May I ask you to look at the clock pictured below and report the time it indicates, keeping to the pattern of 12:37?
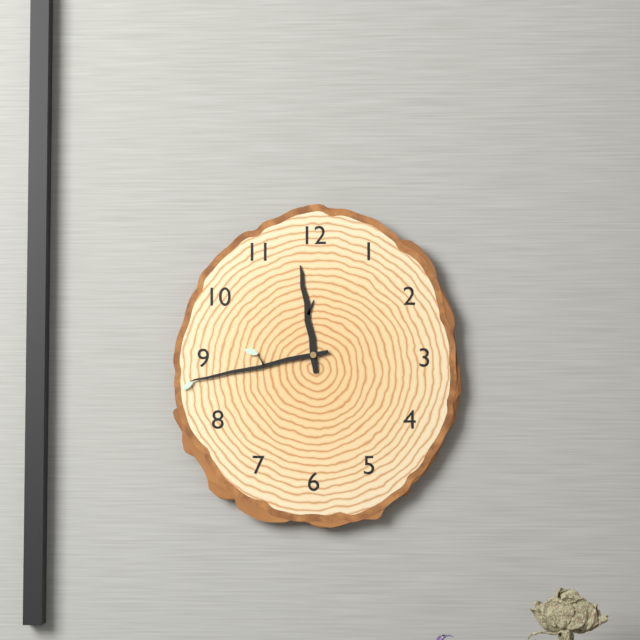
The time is 11:43
